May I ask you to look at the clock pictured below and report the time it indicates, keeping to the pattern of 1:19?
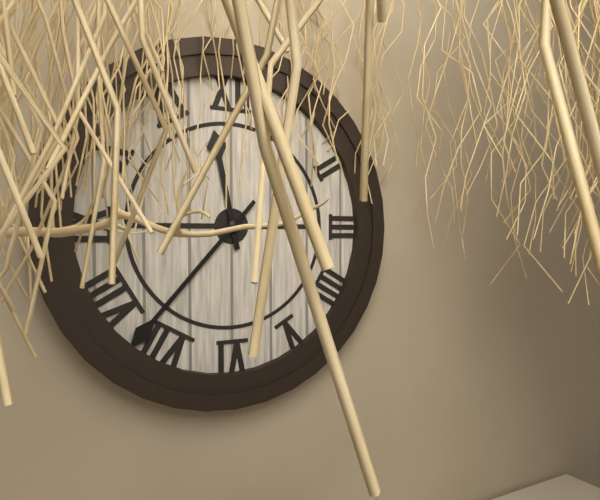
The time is 11:37
